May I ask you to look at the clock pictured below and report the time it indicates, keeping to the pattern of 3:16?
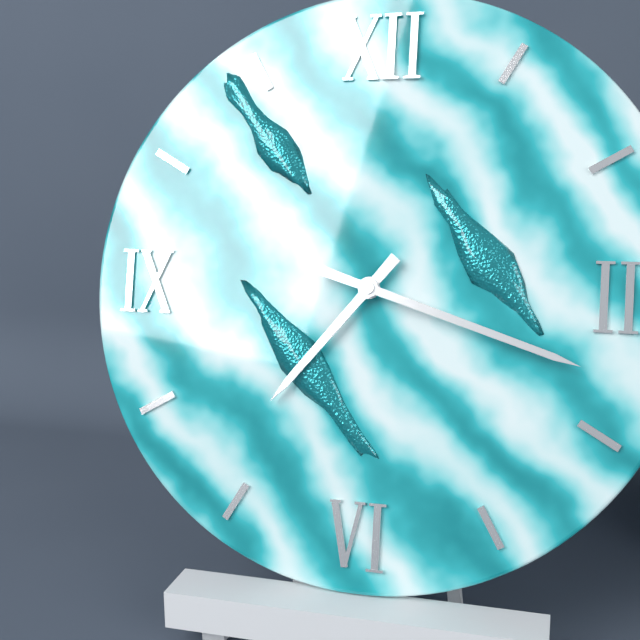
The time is 7:18
